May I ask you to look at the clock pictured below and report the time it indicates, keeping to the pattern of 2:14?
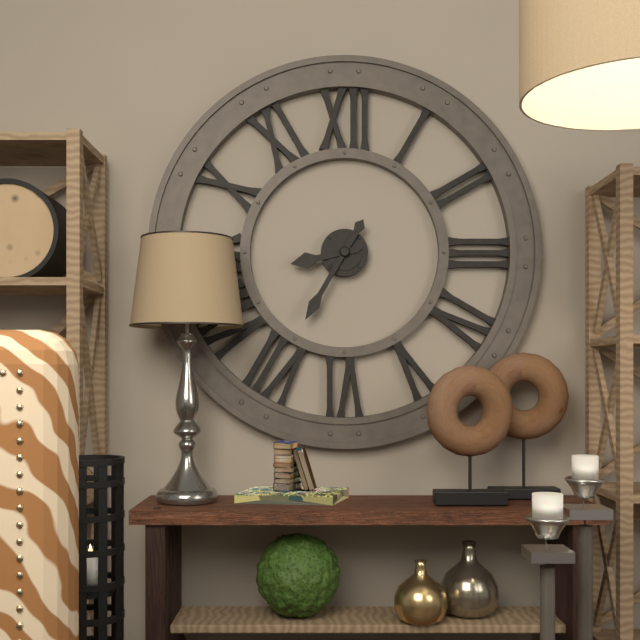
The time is 8:35
